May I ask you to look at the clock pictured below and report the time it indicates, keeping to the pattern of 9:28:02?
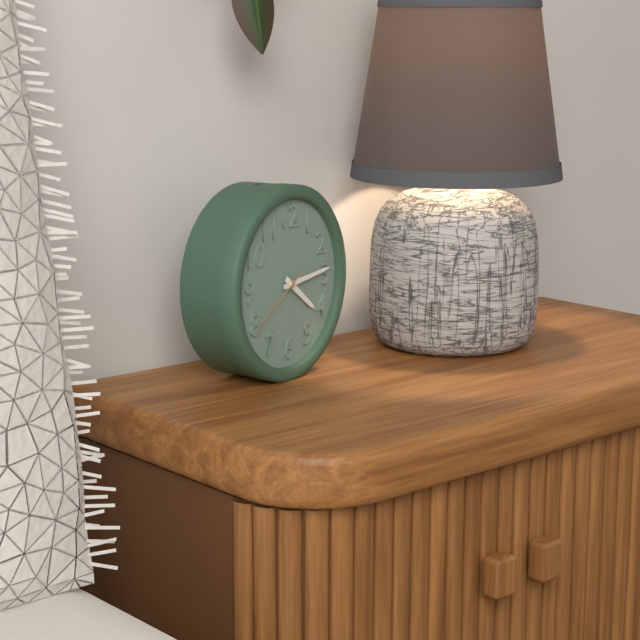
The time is 4:14:40
